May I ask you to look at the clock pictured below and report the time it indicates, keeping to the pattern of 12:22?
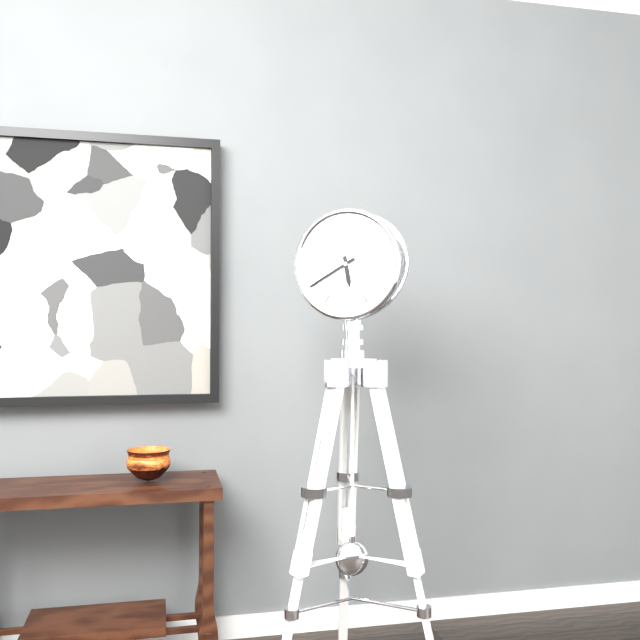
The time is 5:40
